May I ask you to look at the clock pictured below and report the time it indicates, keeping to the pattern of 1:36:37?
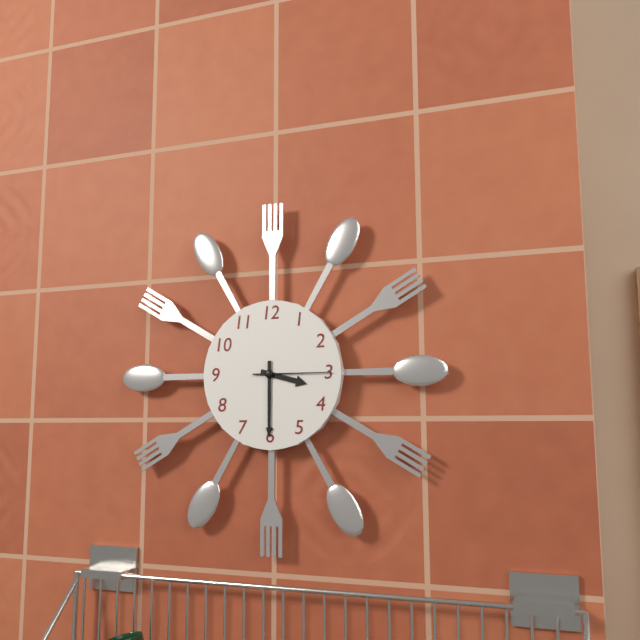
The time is 3:30:15
